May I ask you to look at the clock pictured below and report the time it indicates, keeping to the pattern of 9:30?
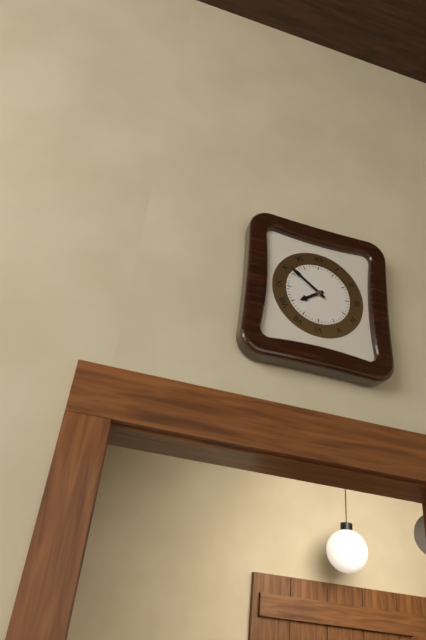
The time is 7:51
